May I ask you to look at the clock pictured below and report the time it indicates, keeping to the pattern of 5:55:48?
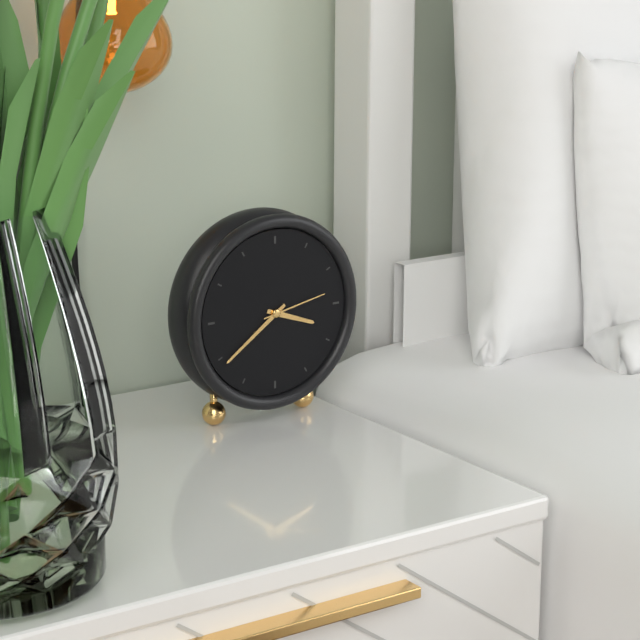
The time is 3:39:13
